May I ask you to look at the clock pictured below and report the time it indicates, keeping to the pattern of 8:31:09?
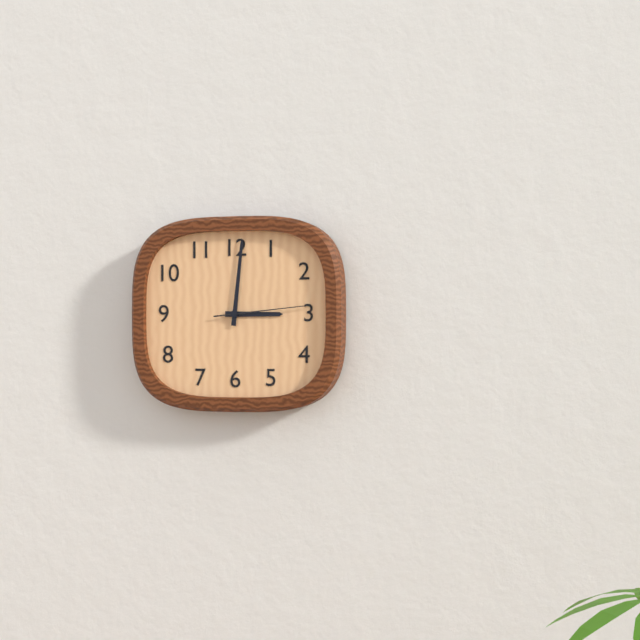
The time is 3:01:14
